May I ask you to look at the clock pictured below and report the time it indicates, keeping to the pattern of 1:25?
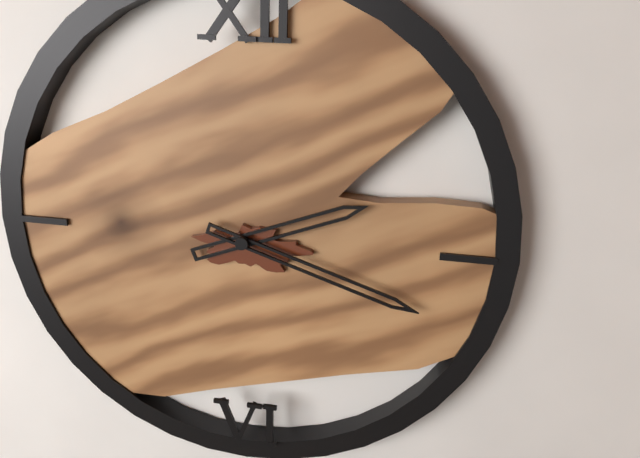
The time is 2:18
